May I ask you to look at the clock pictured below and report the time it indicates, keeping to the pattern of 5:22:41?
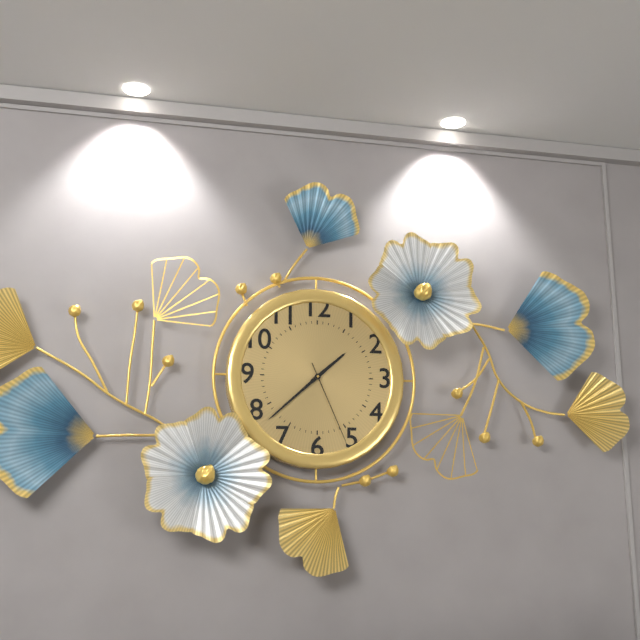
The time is 1:38:26
